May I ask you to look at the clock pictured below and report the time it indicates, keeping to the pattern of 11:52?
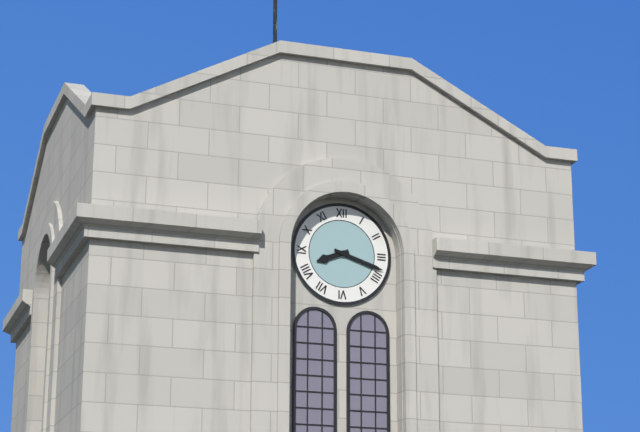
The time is 8:18
